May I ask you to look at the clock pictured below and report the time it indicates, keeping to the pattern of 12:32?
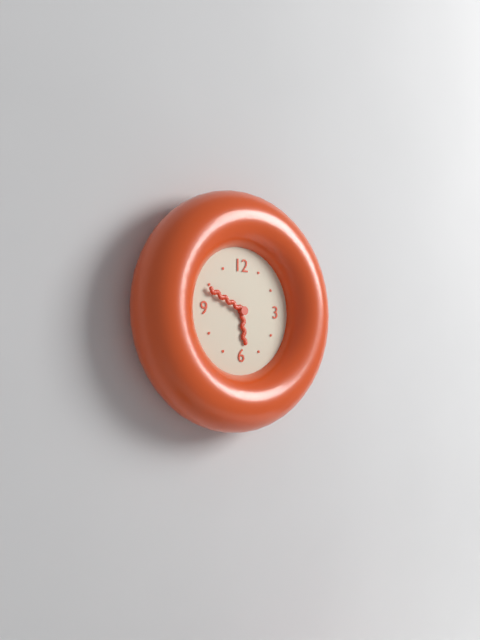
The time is 5:49
